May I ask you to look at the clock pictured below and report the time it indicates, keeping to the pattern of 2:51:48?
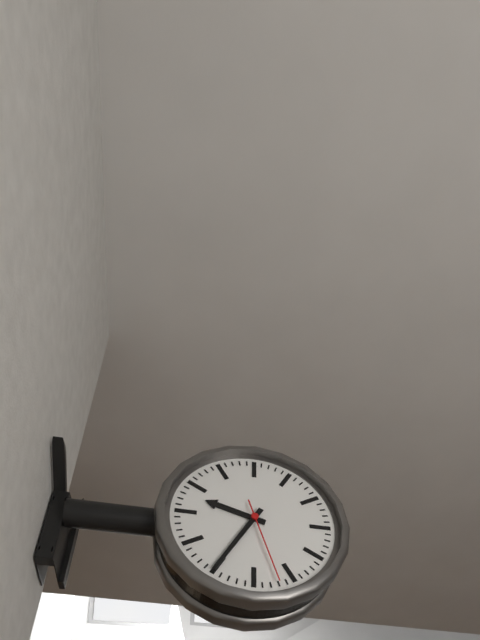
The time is 9:35:27
